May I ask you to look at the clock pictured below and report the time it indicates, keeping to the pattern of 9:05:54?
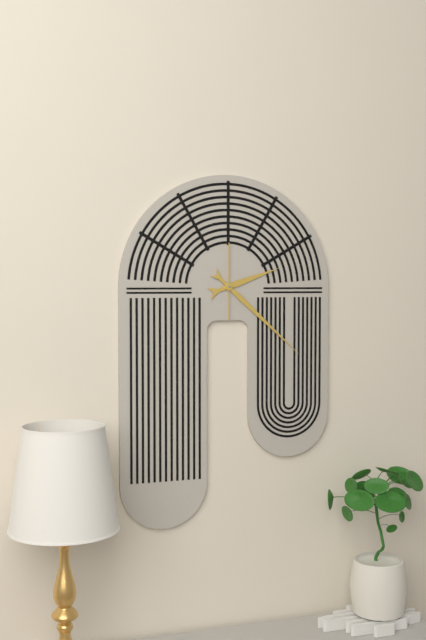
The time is 2:22:00
